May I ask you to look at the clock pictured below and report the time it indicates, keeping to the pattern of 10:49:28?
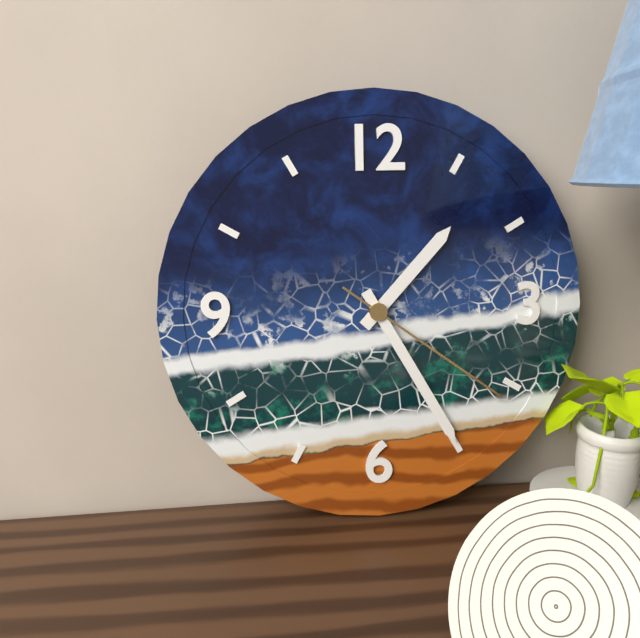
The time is 1:25:21
